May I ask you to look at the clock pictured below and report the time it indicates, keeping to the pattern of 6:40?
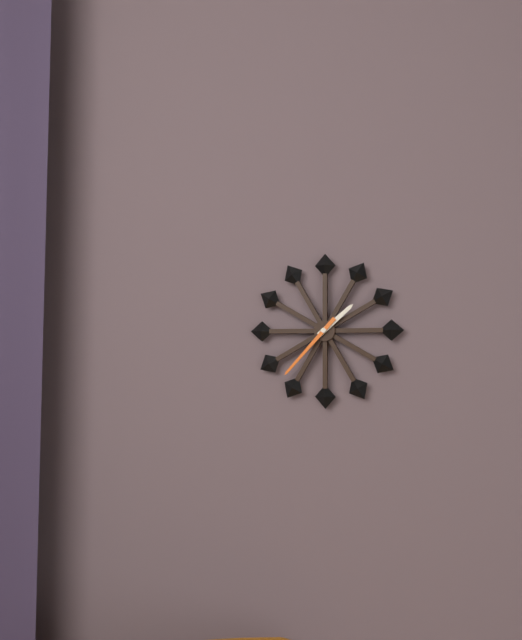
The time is 1:37
